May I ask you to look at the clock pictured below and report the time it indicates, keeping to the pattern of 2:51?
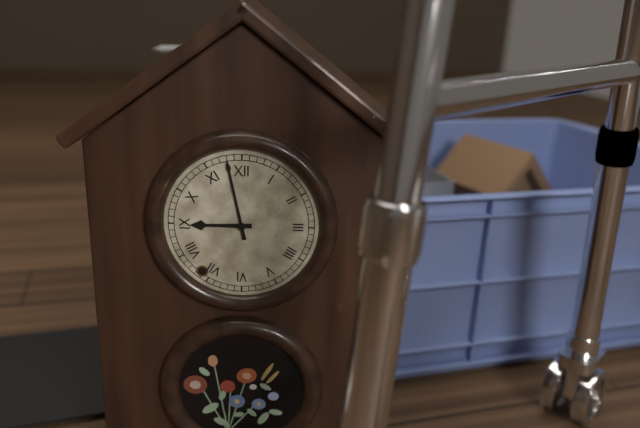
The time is 8:58
